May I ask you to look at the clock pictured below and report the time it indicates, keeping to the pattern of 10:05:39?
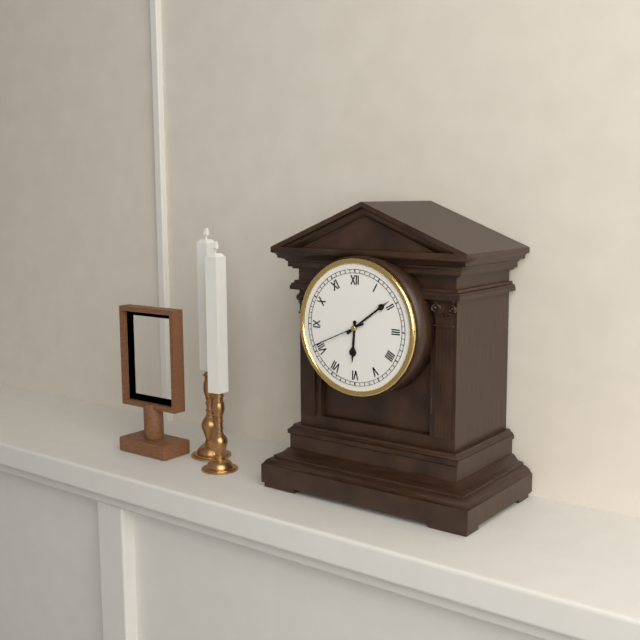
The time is 6:09:41
